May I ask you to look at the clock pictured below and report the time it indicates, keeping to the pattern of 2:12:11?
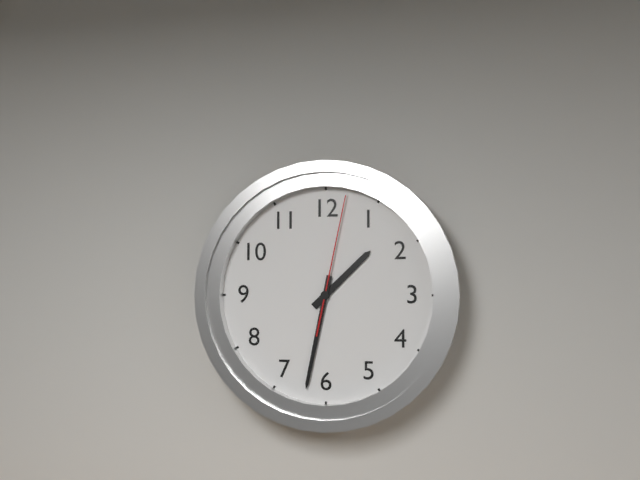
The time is 1:32:02
